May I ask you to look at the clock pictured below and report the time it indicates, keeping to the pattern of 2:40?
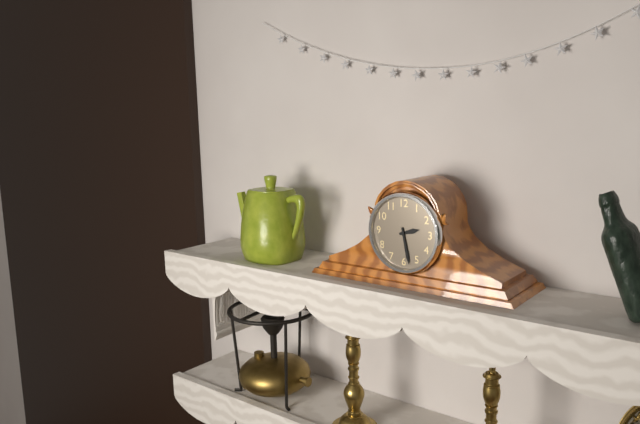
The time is 2:28
